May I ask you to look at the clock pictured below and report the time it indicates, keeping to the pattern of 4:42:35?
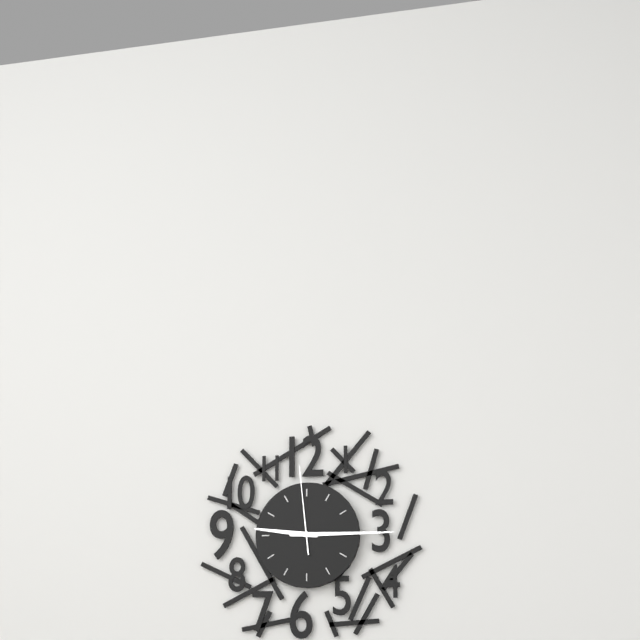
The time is 9:15:59
